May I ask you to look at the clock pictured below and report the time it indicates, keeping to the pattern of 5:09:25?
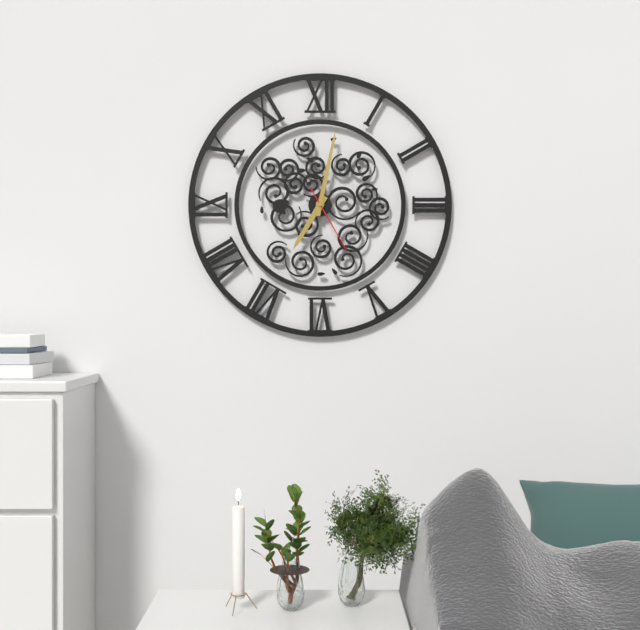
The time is 7:02:25
